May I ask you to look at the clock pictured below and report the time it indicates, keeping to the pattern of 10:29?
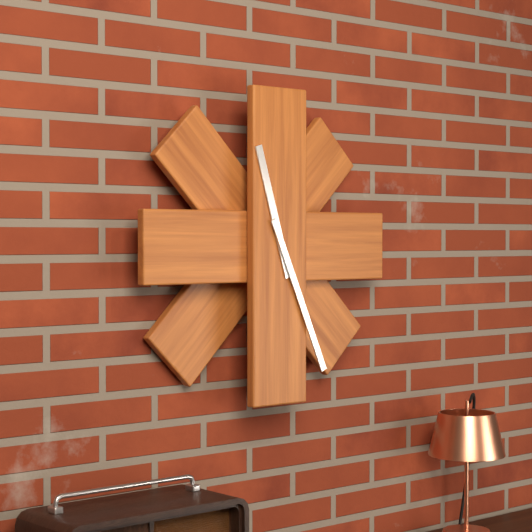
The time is 11:26
